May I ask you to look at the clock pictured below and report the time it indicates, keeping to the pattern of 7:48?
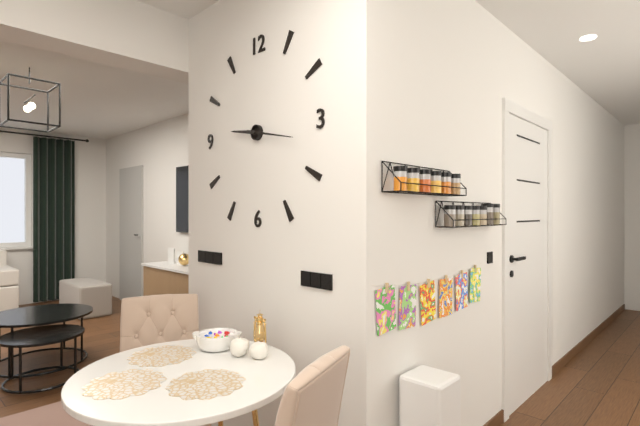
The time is 9:17
